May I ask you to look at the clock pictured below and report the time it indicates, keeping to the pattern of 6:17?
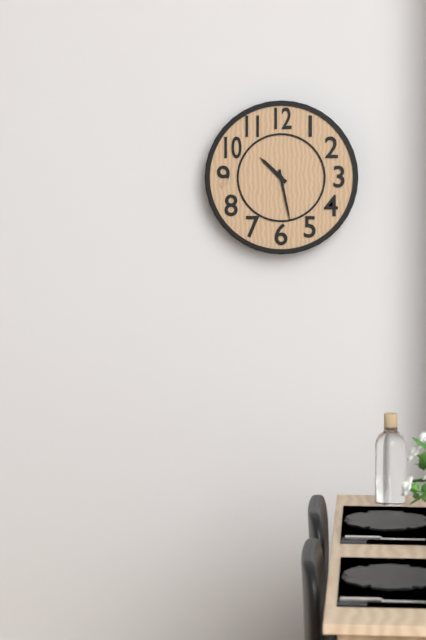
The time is 10:28
